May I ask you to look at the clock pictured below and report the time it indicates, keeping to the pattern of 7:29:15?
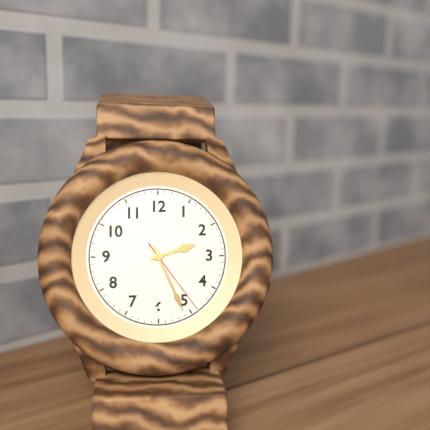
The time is 2:26:24
